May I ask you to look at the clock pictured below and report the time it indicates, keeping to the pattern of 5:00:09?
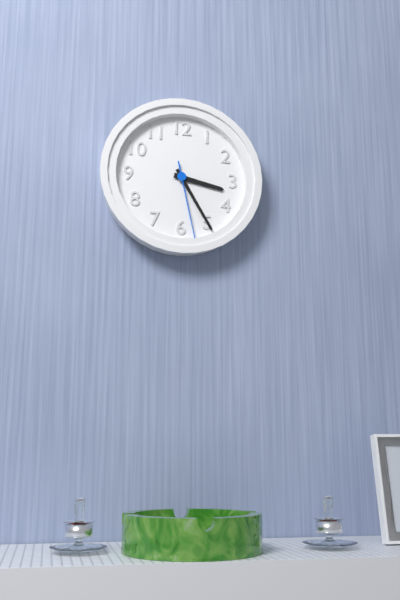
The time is 3:25:28
